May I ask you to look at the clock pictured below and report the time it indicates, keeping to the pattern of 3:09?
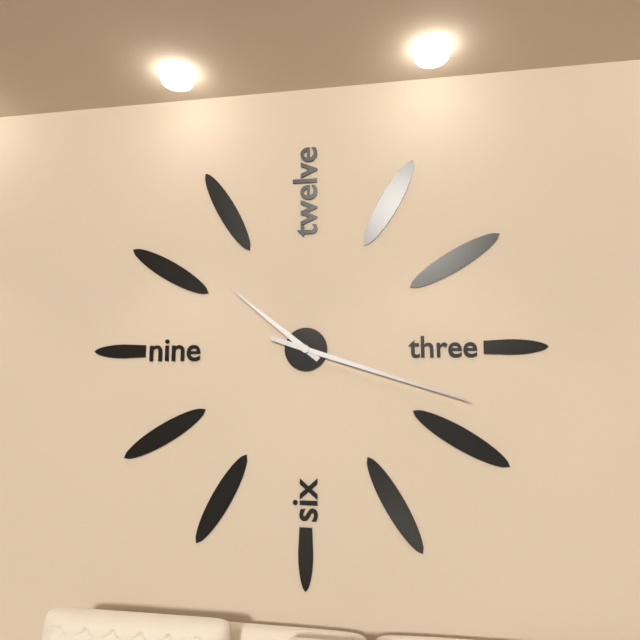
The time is 10:18
